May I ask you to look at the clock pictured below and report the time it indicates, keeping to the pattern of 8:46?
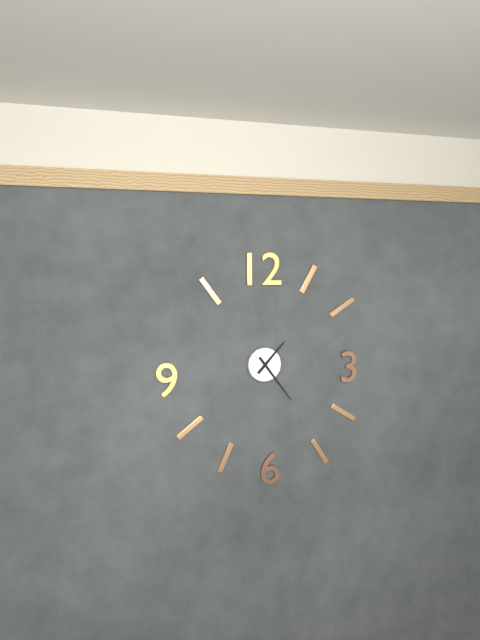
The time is 1:24
